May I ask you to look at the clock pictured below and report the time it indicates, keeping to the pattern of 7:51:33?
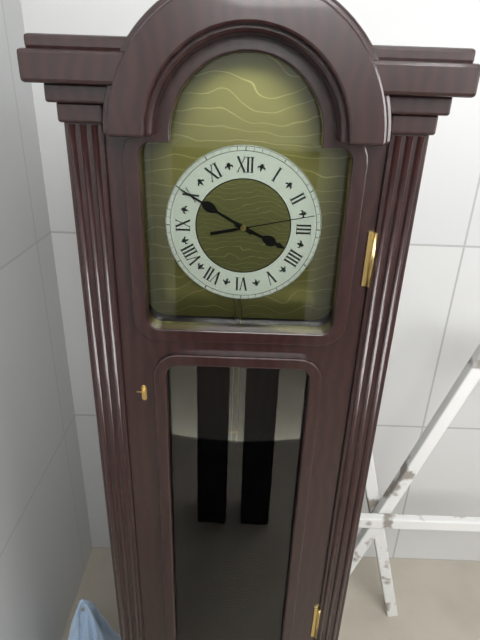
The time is 3:50:13
